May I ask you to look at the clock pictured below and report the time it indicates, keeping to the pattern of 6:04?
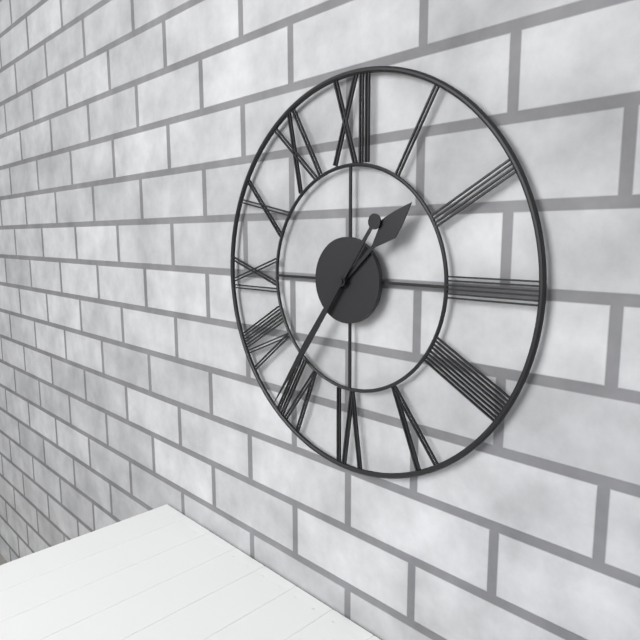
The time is 1:36
